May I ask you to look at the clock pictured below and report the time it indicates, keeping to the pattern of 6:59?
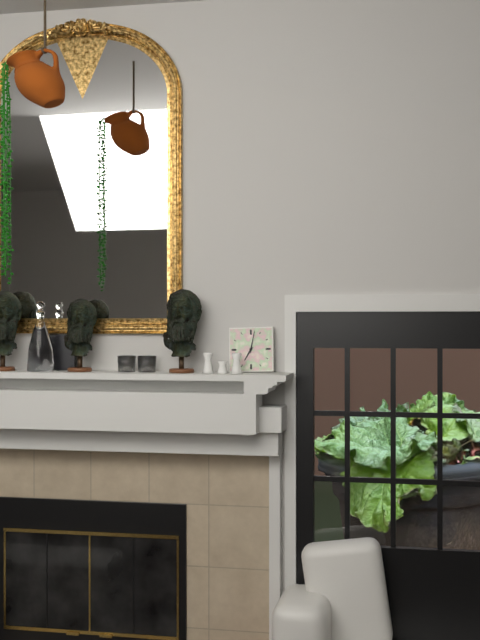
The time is 7:02
